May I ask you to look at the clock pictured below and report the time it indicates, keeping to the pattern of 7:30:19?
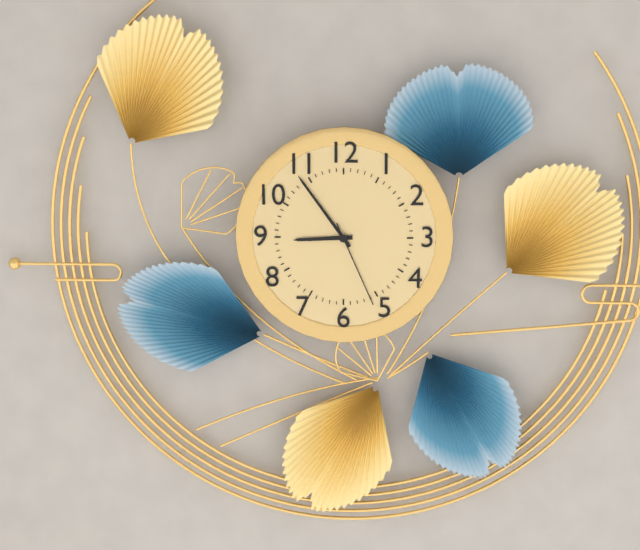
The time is 8:54:26
